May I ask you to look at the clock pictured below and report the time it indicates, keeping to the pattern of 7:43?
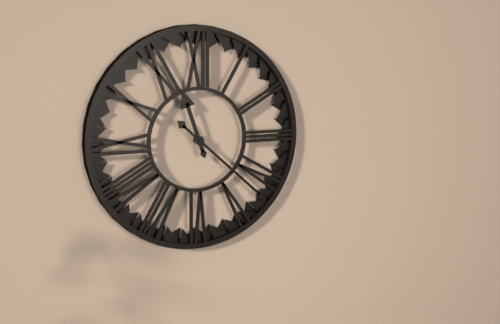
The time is 11:22
